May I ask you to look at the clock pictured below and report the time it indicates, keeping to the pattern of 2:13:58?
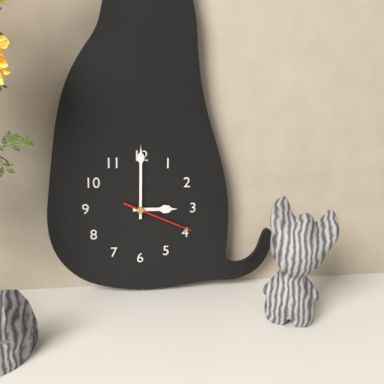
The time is 3:00:19
